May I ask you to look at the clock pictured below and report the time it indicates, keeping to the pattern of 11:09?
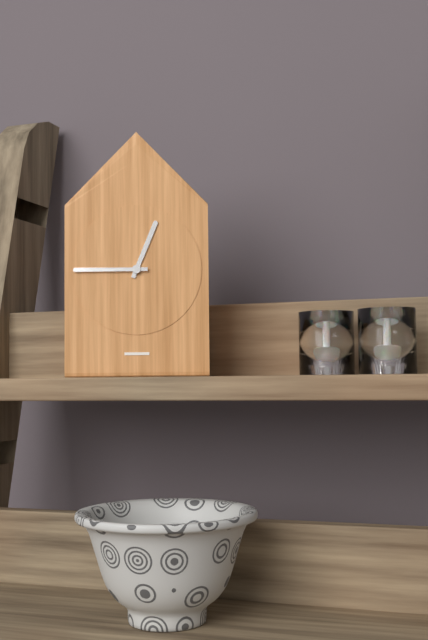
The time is 12:45
